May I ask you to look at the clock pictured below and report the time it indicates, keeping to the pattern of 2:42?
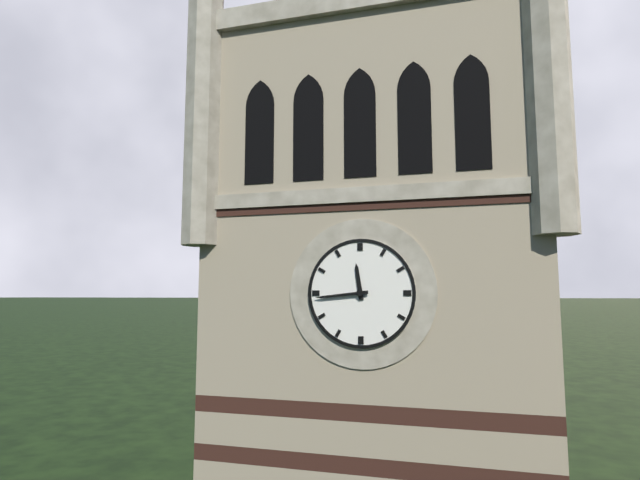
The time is 11:44
